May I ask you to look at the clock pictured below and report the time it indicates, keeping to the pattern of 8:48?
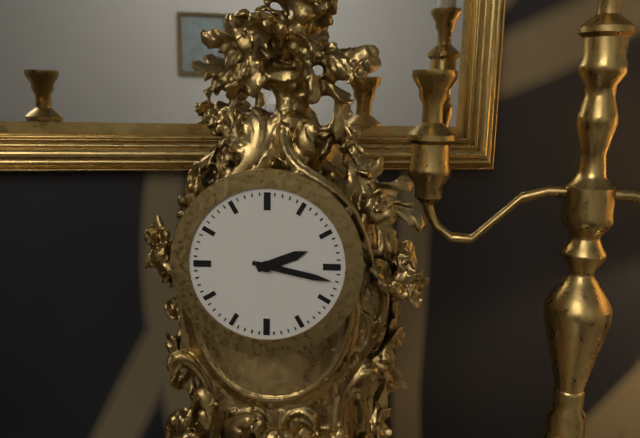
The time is 2:17
